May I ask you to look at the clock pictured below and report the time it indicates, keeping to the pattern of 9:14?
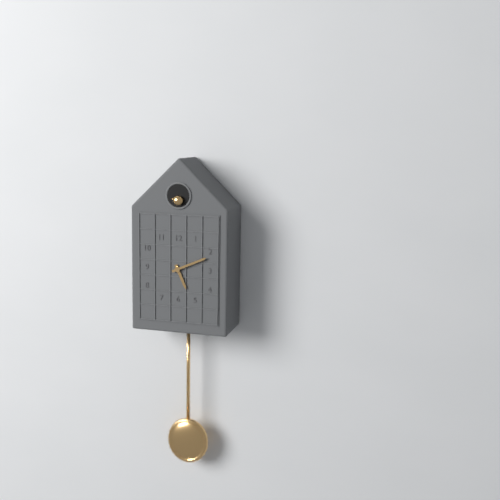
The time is 5:11
